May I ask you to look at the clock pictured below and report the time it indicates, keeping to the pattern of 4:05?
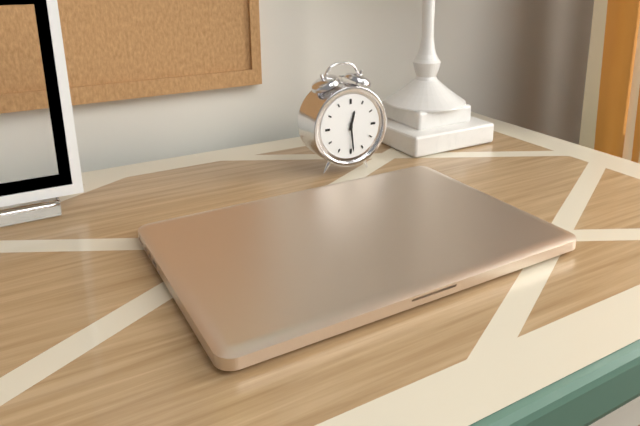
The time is 12:29
